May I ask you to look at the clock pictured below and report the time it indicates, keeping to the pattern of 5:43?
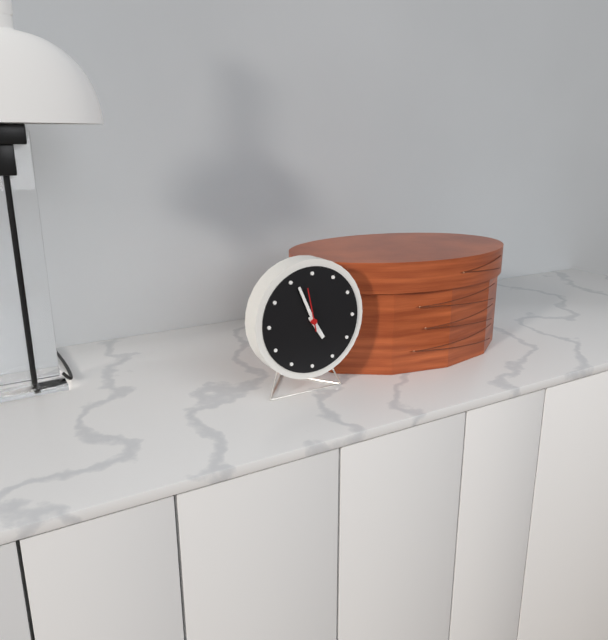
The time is 4:56
